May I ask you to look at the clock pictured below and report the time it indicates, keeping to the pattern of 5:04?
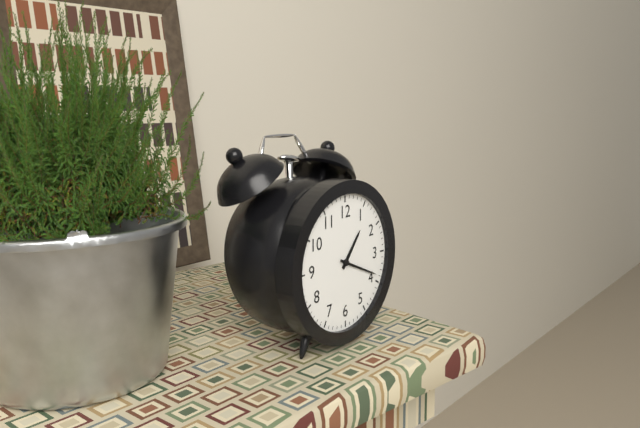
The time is 1:19
